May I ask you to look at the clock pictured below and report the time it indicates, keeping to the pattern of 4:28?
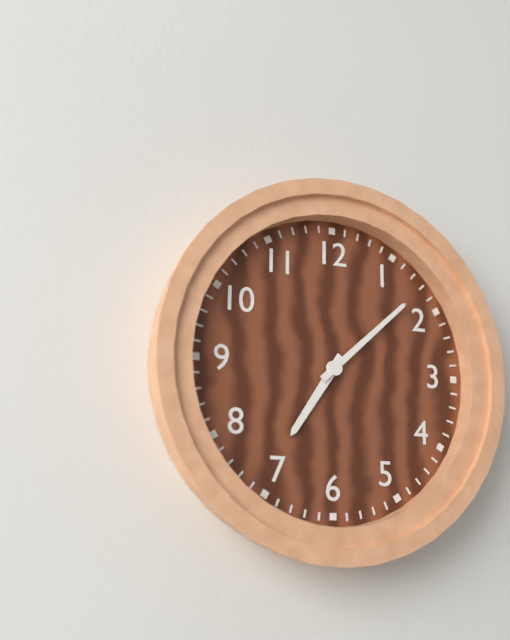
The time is 7:08
